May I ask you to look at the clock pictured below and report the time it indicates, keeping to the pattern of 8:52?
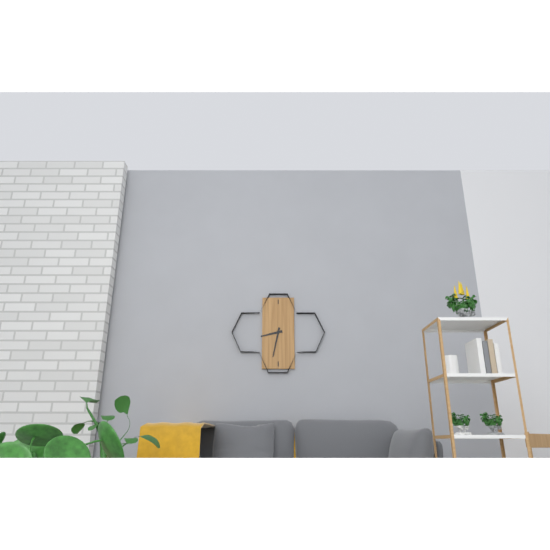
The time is 8:32
